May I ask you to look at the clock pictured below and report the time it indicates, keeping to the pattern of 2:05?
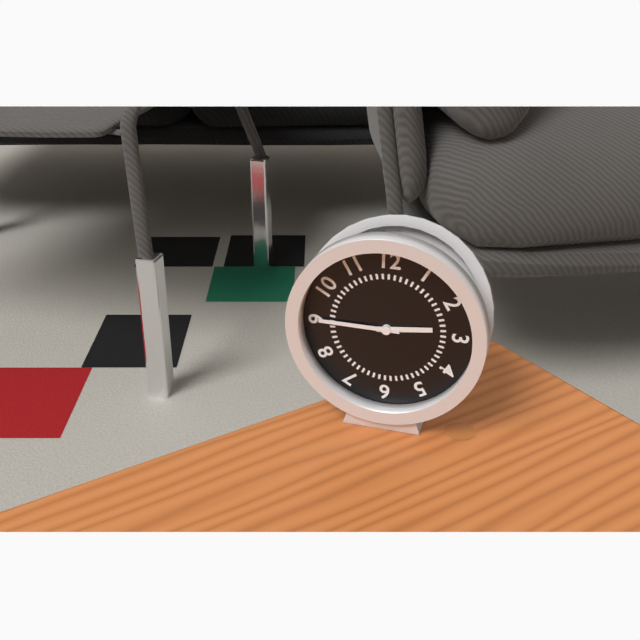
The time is 2:45
